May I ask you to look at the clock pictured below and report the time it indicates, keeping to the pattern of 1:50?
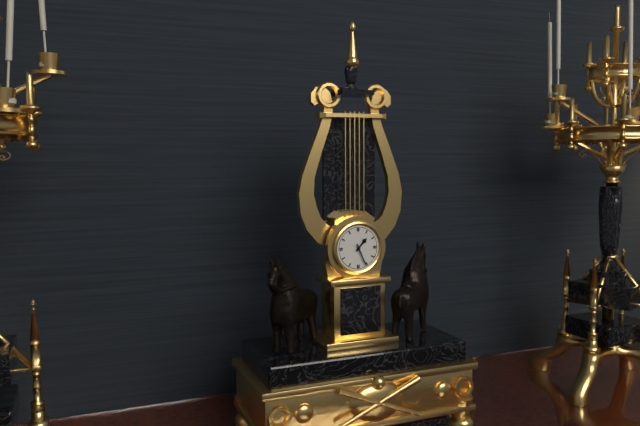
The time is 1:26
